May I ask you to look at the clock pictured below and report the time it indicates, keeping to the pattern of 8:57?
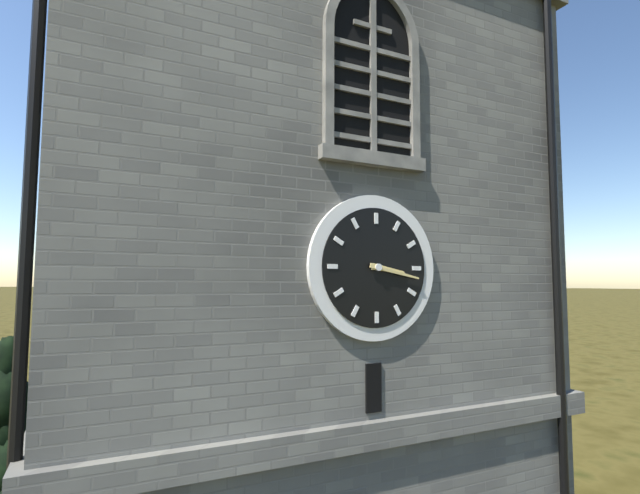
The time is 3:17
